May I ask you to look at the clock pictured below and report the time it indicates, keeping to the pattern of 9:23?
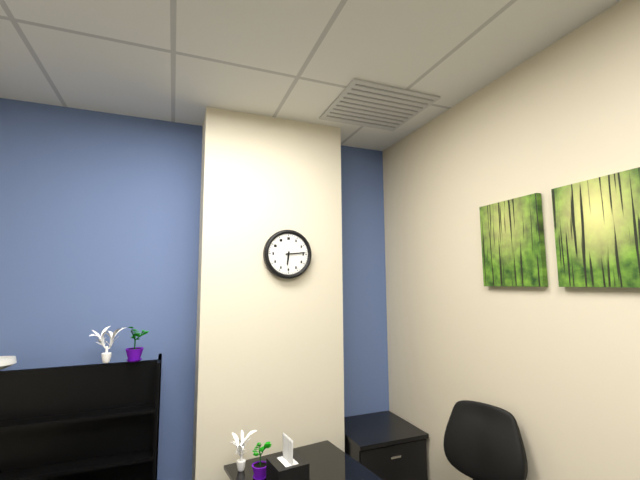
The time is 6:14
